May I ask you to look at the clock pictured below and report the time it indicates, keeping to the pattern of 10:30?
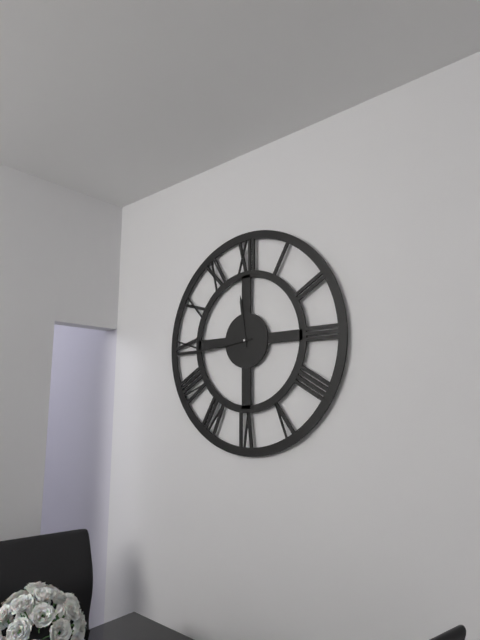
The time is 11:44
